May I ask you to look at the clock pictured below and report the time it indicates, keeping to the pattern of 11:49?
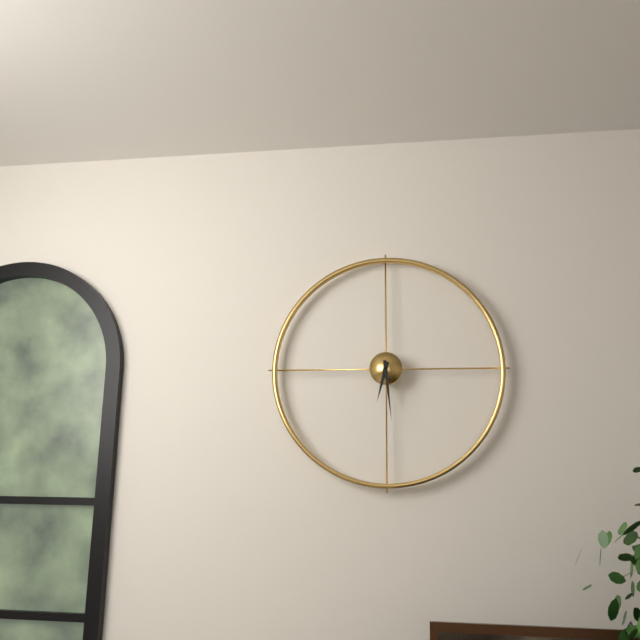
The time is 6:29
